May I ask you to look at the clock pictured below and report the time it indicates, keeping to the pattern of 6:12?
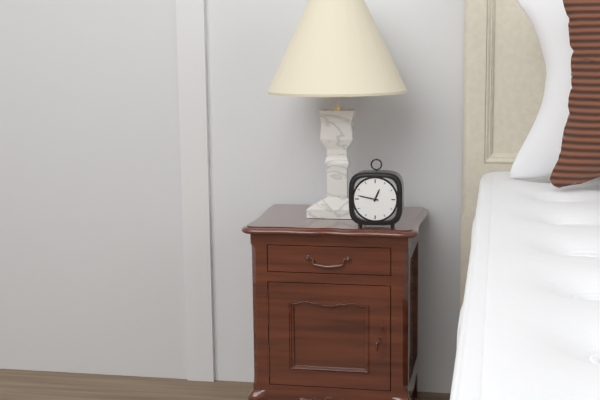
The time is 12:47
